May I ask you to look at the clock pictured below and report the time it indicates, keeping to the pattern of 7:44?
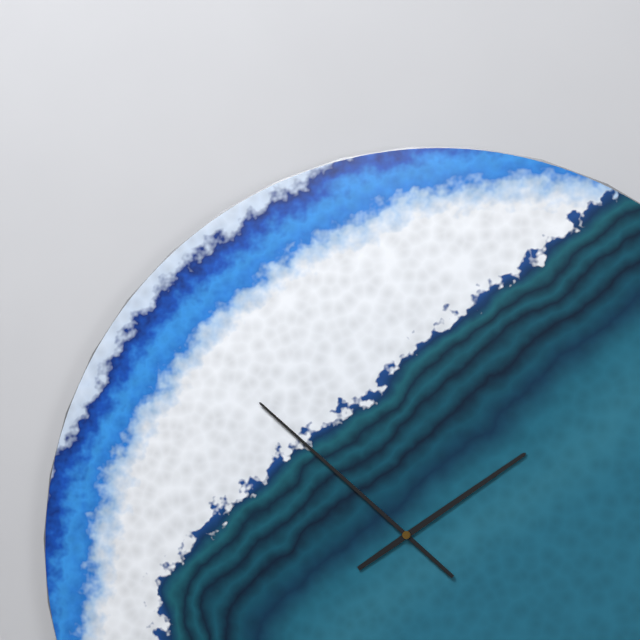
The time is 1:52
